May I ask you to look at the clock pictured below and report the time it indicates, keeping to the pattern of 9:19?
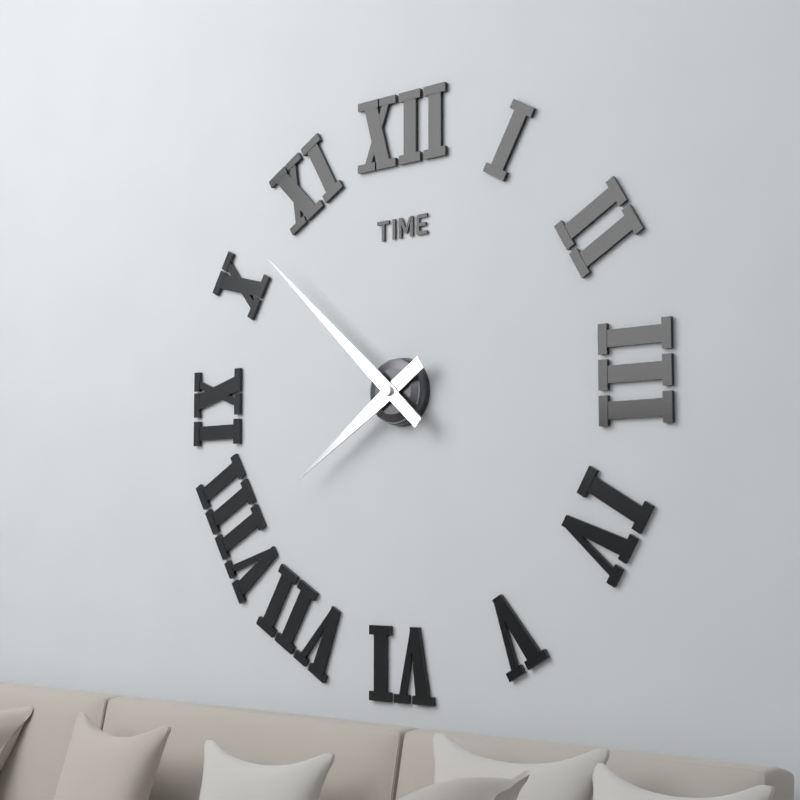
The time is 7:52
